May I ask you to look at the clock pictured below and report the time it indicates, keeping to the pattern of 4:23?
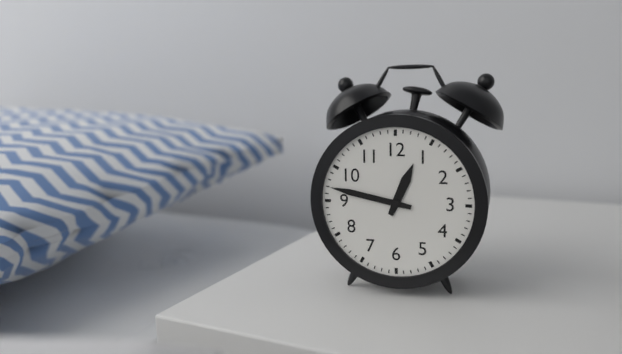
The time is 12:47
